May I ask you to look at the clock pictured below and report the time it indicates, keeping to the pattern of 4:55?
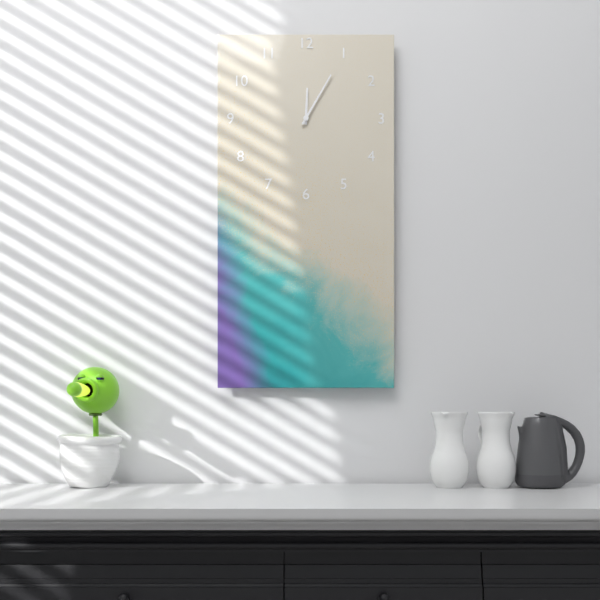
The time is 12:05
